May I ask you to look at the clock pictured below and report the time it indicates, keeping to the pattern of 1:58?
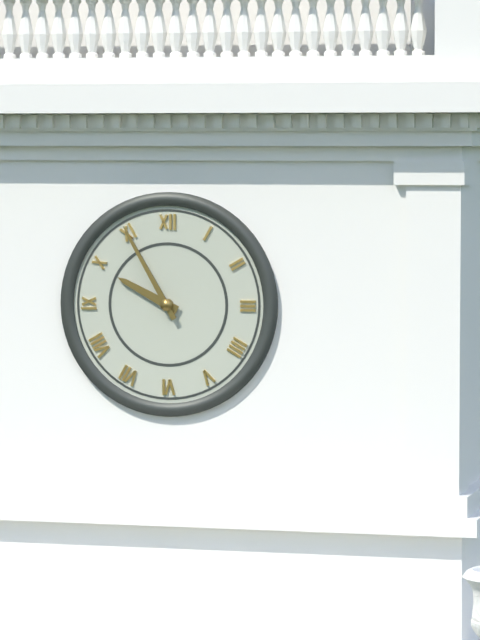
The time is 9:55
